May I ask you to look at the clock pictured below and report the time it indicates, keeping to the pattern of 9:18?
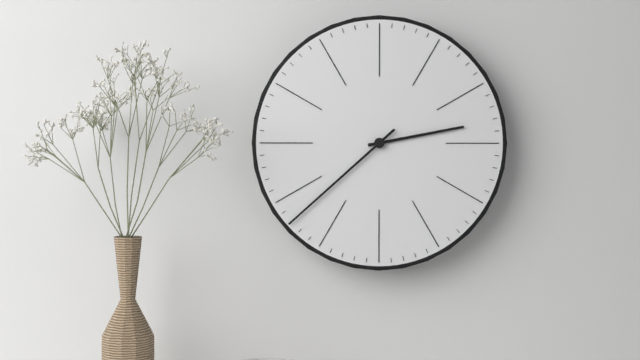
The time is 2:38
